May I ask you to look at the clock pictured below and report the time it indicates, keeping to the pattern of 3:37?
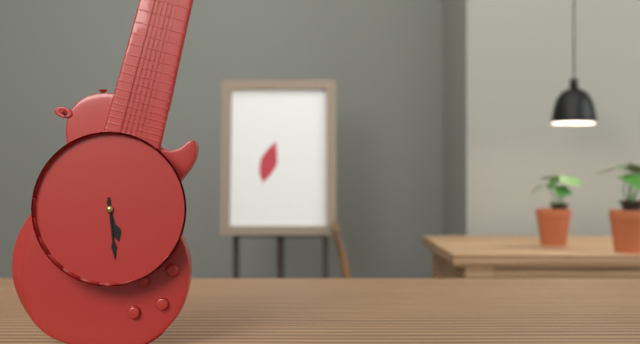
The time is 5:29
